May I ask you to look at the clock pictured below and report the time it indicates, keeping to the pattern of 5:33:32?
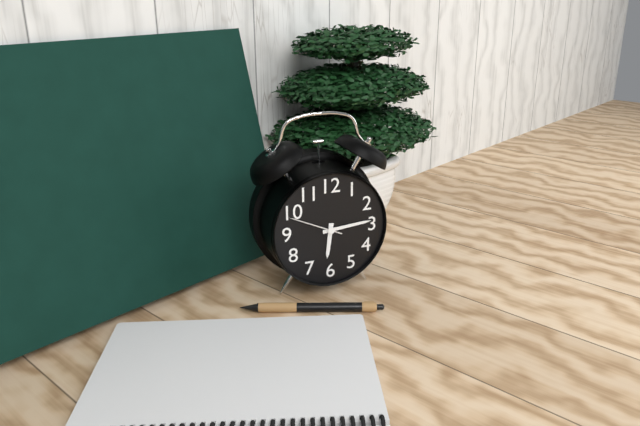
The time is 6:14:49
